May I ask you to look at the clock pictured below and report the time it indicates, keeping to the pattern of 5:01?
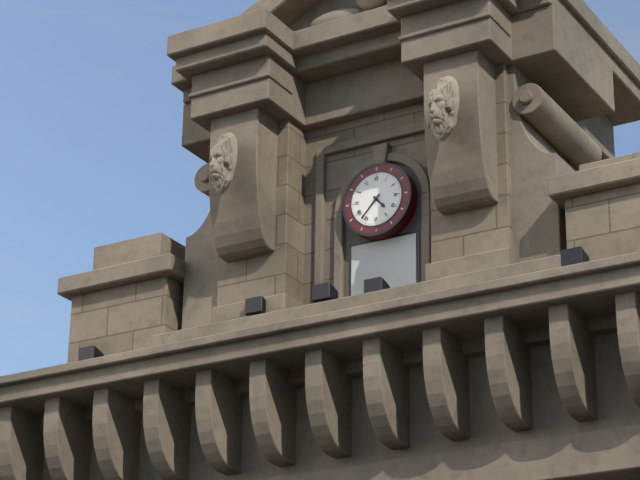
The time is 4:37
